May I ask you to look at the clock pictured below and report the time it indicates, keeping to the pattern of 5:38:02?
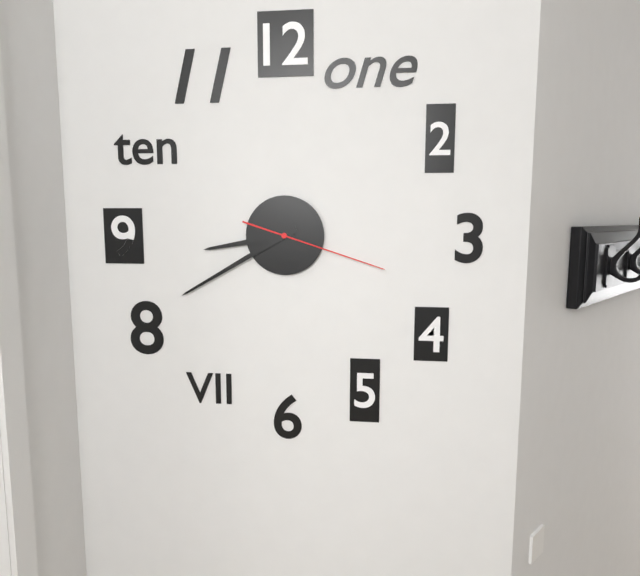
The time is 8:40:18
